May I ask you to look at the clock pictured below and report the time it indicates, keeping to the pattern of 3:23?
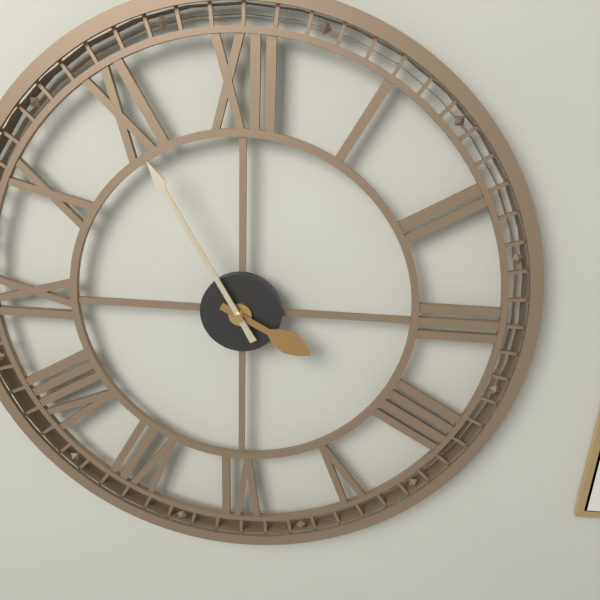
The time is 3:55
